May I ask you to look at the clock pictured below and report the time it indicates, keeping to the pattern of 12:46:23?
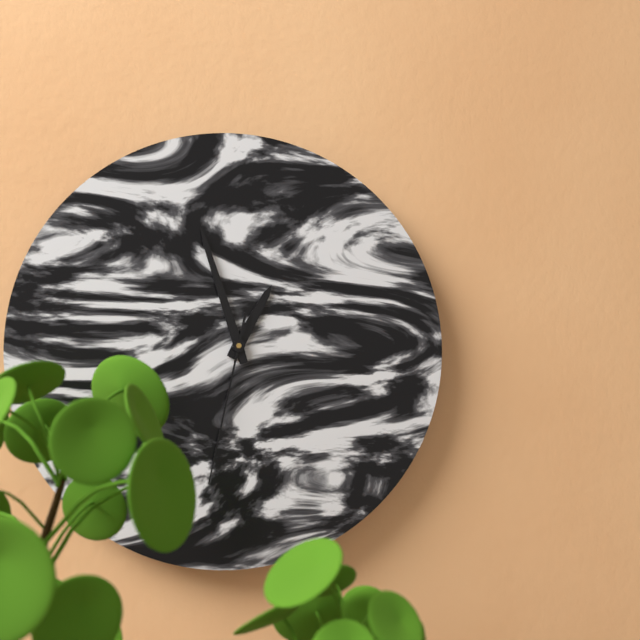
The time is 12:57:32
